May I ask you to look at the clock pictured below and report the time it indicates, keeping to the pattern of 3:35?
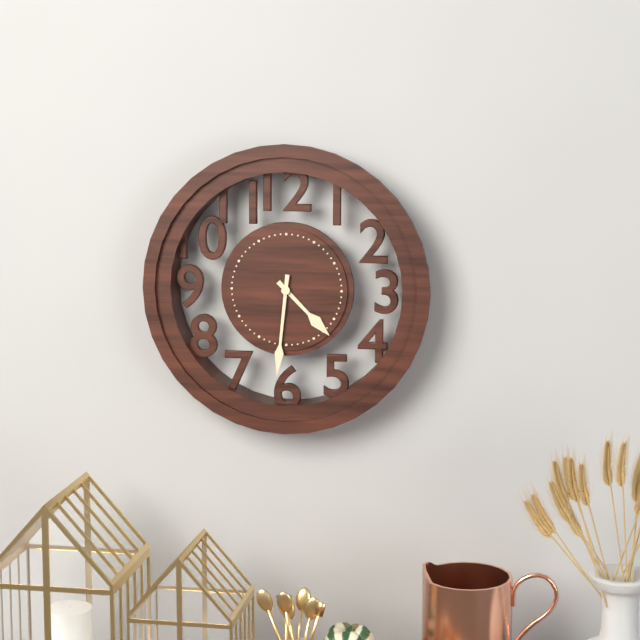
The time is 4:31
